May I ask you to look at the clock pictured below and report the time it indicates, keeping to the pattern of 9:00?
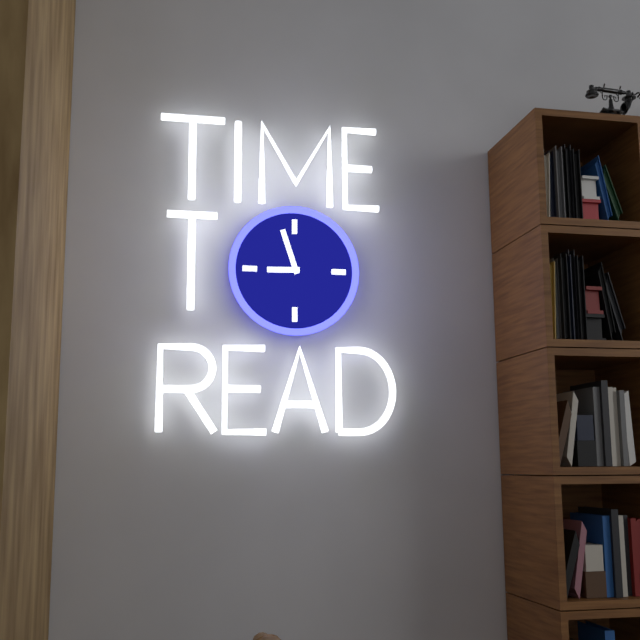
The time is 8:57
